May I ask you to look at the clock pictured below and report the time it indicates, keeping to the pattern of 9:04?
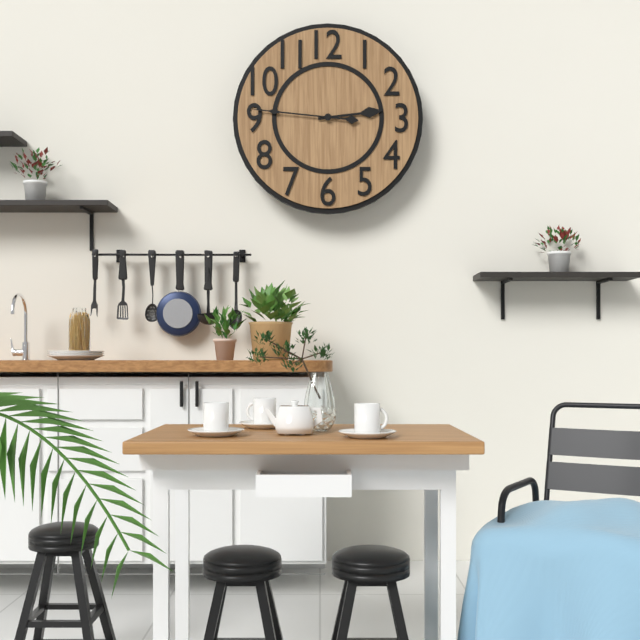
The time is 2:46
